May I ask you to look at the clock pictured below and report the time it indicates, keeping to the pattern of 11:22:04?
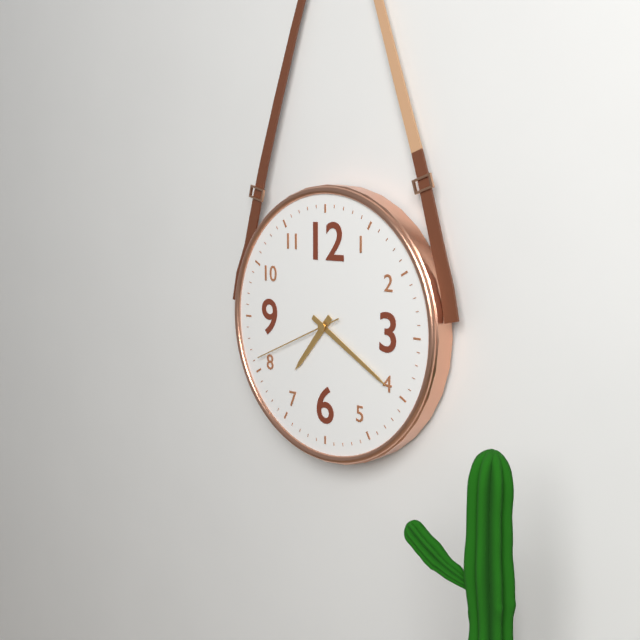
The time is 7:20:41
